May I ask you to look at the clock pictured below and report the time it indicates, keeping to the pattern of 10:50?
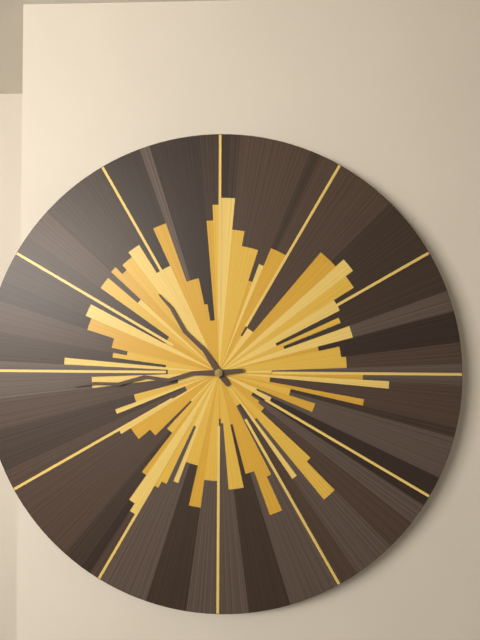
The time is 10:44
